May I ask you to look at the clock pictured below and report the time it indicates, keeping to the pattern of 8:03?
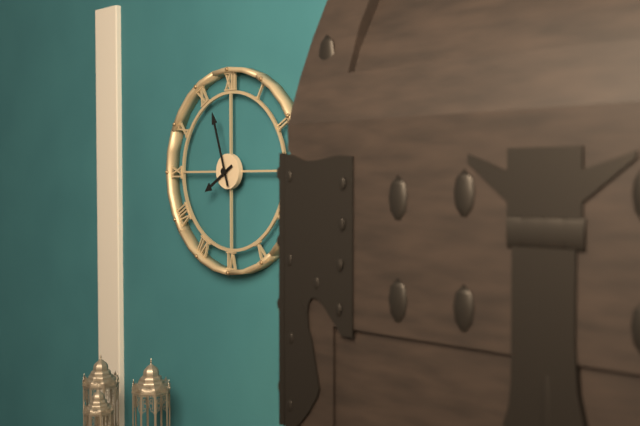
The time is 7:57
